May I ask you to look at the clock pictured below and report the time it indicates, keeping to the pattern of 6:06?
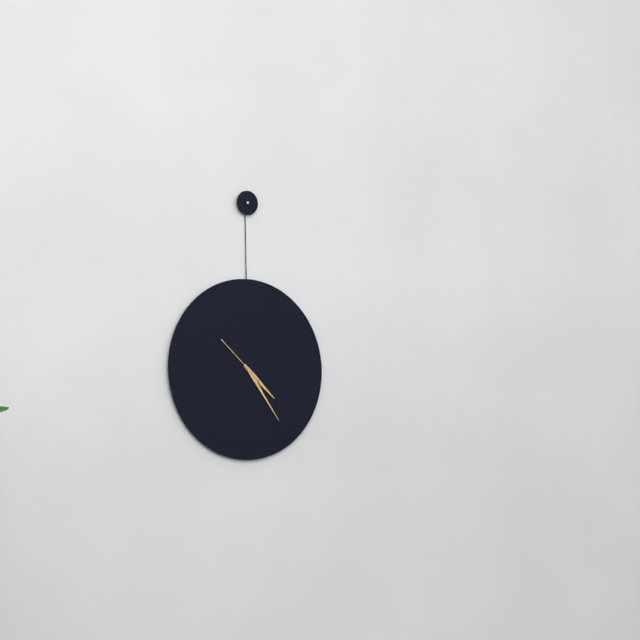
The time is 4:24
